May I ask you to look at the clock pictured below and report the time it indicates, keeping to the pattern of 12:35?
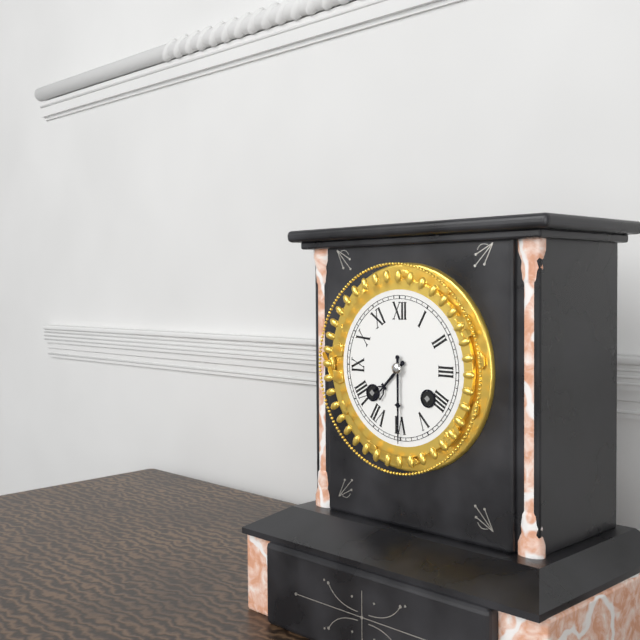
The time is 7:30
